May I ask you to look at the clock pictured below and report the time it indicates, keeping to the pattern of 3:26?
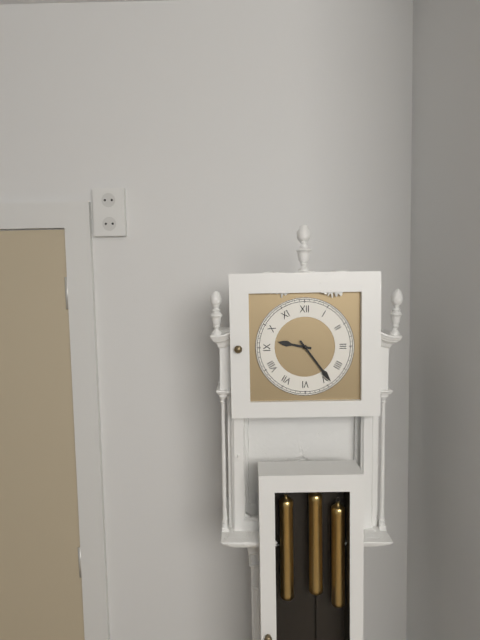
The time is 9:24
